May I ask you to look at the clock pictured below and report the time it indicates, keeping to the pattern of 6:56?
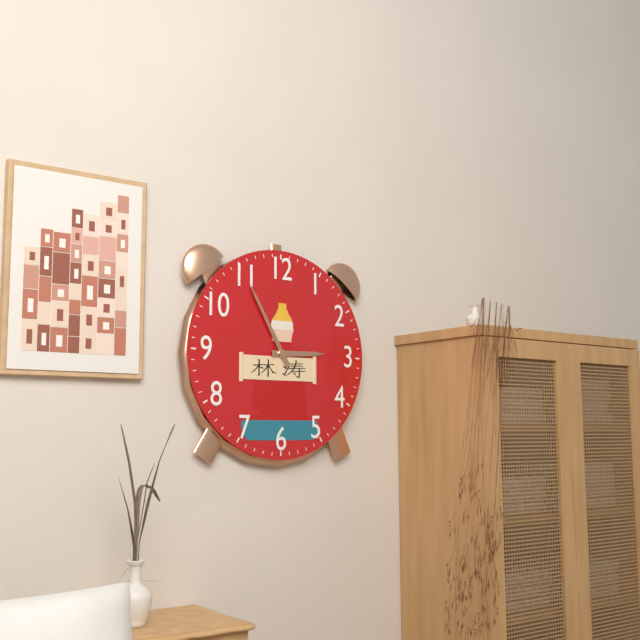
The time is 2:55
